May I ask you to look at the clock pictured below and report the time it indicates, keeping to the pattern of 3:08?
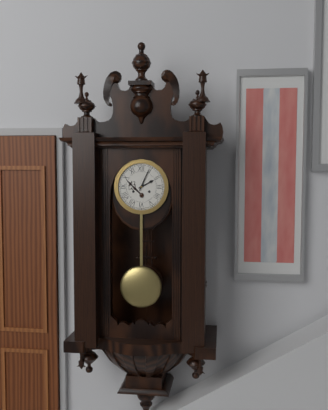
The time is 2:04
